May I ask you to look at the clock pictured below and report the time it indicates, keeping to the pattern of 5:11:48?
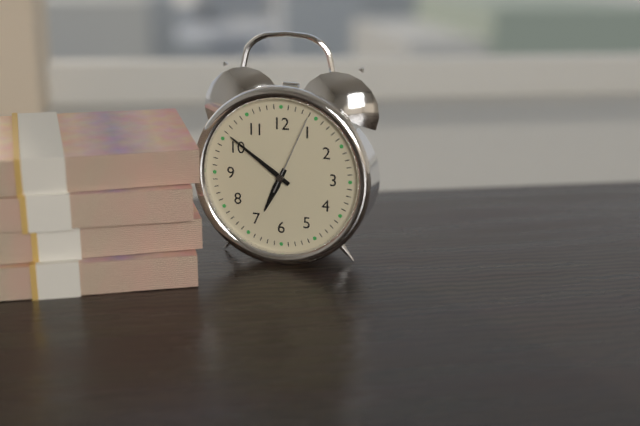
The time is 6:51:04
